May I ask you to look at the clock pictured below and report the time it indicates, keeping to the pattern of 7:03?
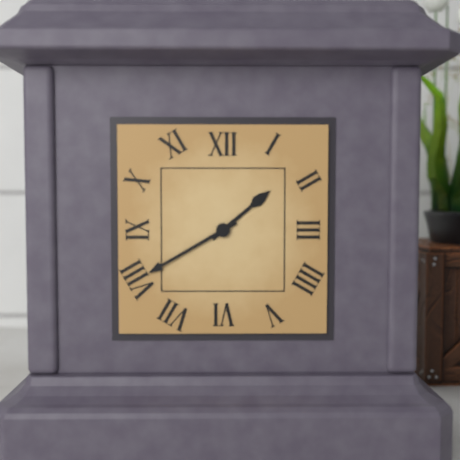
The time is 1:40
